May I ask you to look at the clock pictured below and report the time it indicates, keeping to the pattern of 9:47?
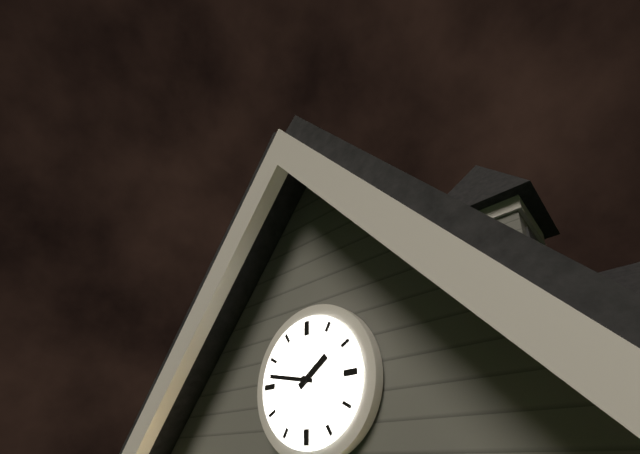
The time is 1:47
